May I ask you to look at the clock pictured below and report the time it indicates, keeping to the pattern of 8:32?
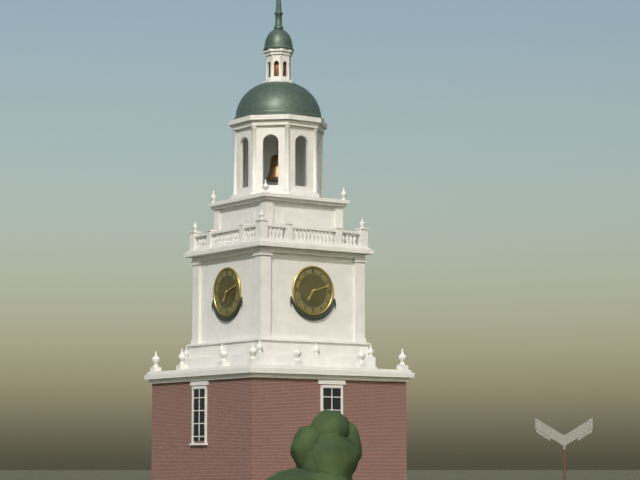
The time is 7:12
